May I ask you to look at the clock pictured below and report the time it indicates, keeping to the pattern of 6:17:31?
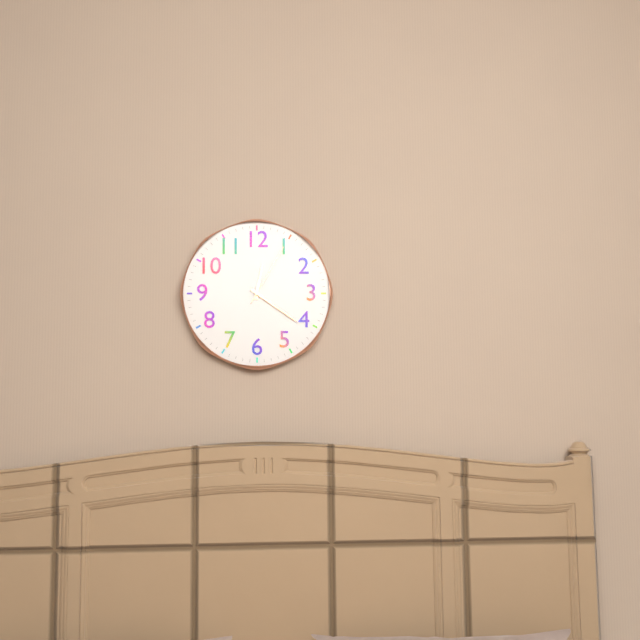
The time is 12:21:05
